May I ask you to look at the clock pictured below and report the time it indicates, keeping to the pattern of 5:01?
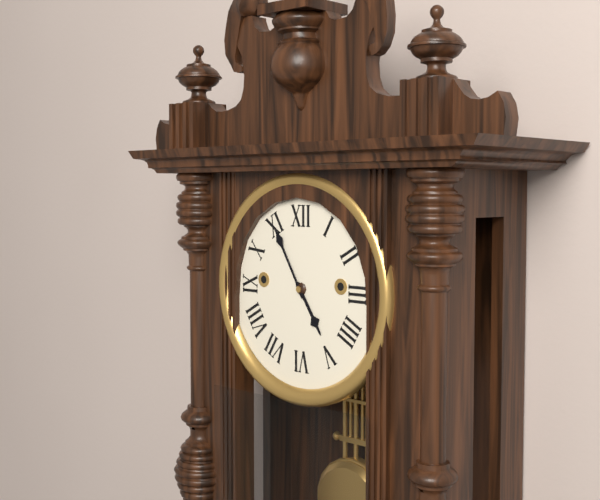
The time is 4:55
